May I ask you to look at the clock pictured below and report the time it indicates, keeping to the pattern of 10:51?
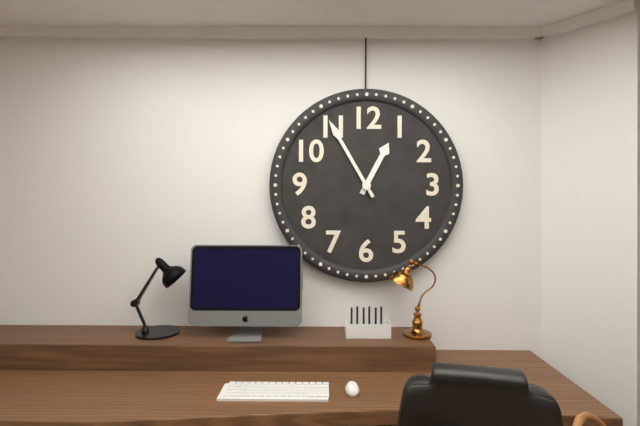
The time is 12:55
